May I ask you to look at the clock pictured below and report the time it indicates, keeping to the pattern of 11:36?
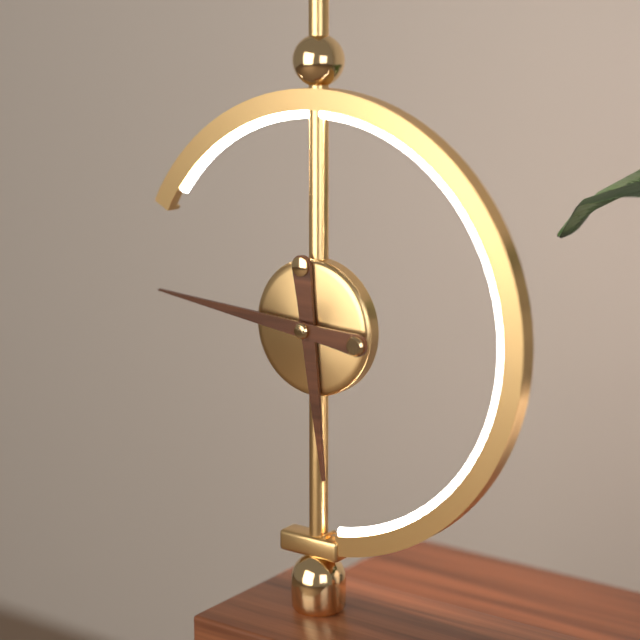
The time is 5:46
